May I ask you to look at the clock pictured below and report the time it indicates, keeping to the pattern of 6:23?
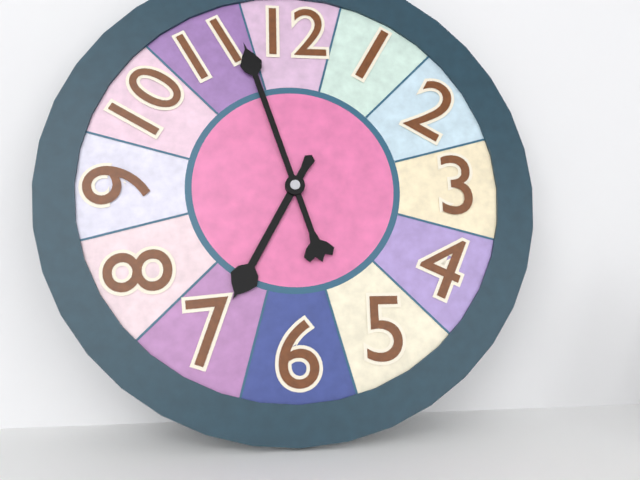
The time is 6:57
